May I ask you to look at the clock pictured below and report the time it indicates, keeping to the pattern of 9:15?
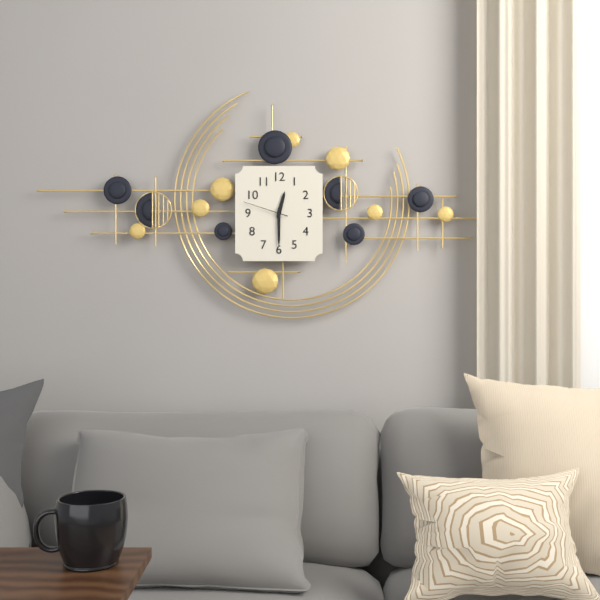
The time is 12:30
